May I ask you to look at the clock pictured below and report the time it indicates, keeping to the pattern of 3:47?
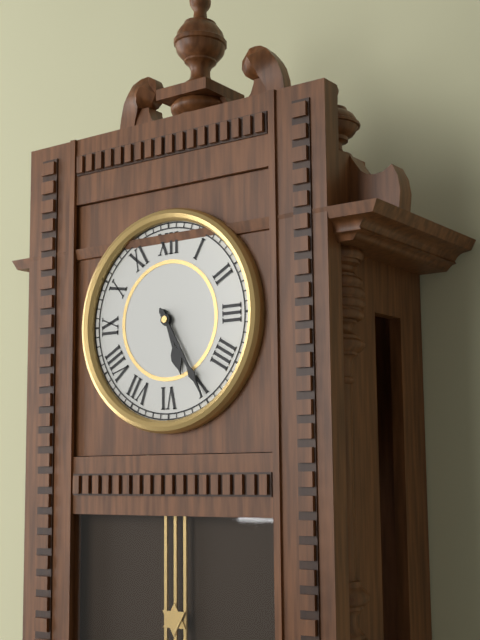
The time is 5:25
